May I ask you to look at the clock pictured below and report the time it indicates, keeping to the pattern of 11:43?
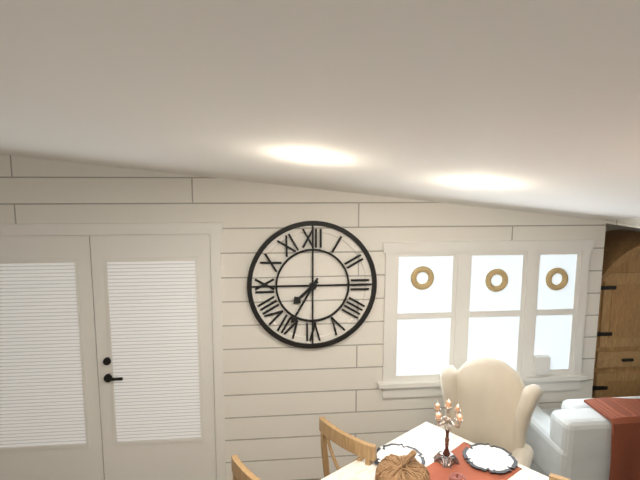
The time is 7:35
